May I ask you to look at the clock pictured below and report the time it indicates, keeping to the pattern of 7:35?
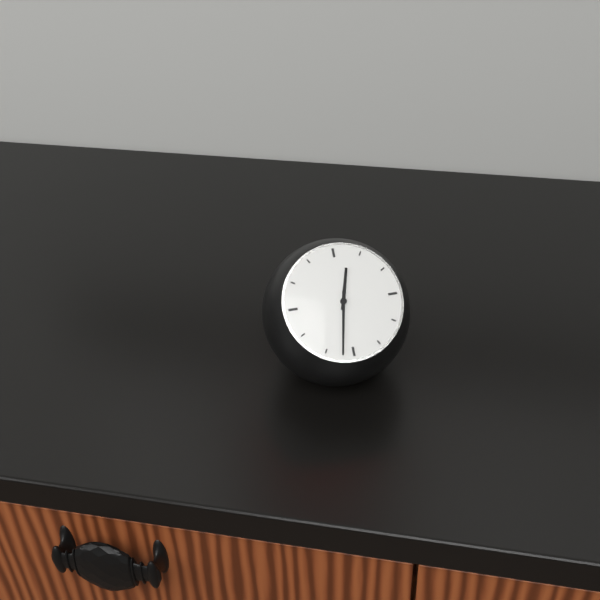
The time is 12:32
